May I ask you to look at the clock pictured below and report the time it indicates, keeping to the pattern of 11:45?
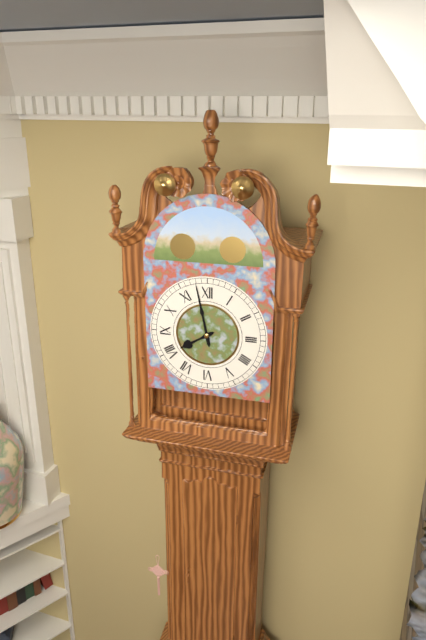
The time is 7:58
